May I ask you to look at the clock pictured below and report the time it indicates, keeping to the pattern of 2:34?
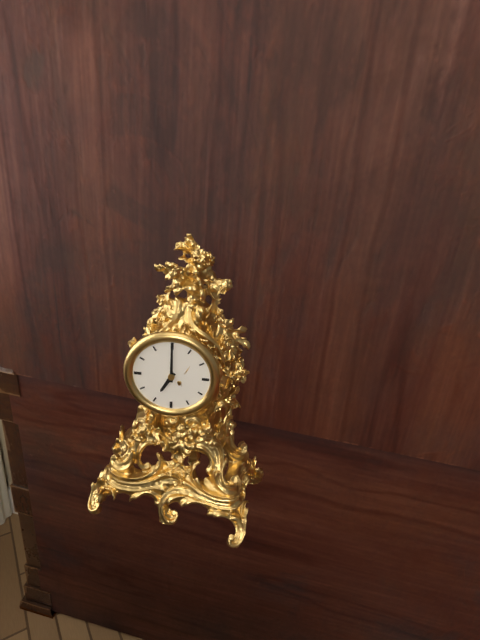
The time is 7:00
